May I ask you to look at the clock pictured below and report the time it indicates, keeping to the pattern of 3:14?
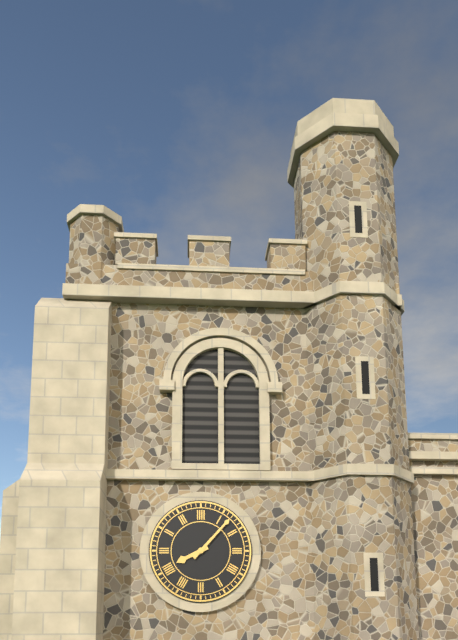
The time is 8:07
